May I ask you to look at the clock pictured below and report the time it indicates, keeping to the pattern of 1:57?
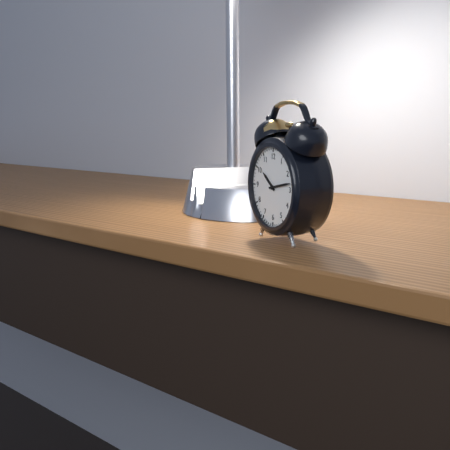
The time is 10:13
